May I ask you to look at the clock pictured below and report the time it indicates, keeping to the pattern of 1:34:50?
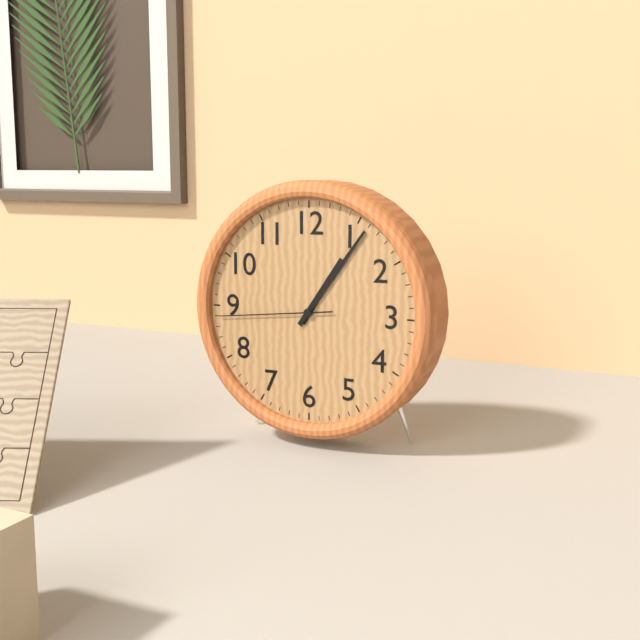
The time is 1:06:44
